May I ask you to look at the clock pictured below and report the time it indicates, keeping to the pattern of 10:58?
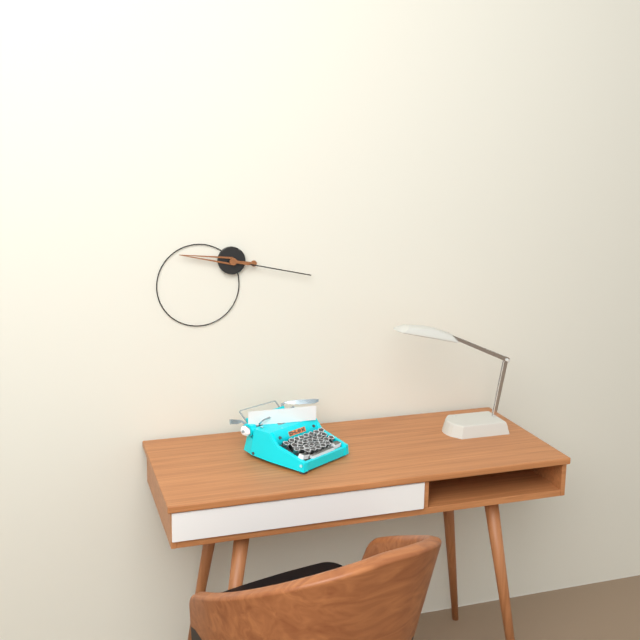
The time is 9:17
